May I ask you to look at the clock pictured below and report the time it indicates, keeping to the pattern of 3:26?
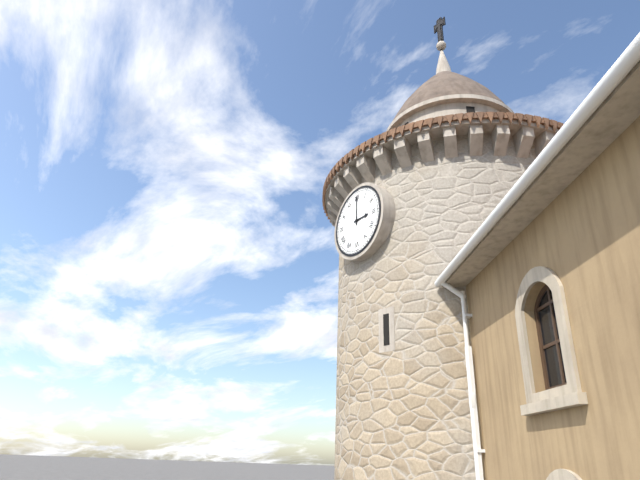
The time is 3:00
